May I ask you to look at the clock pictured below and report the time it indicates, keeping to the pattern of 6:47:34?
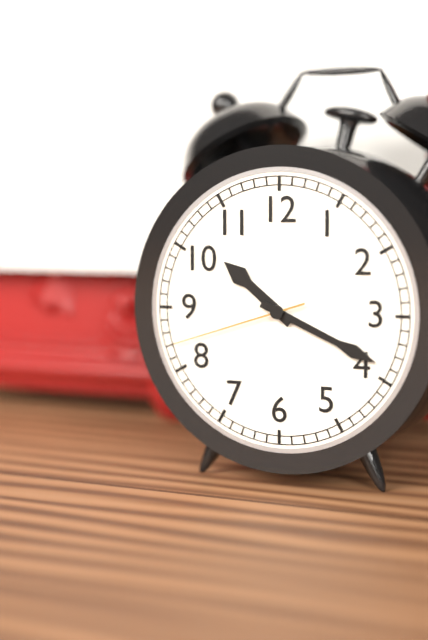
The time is 10:19:42
